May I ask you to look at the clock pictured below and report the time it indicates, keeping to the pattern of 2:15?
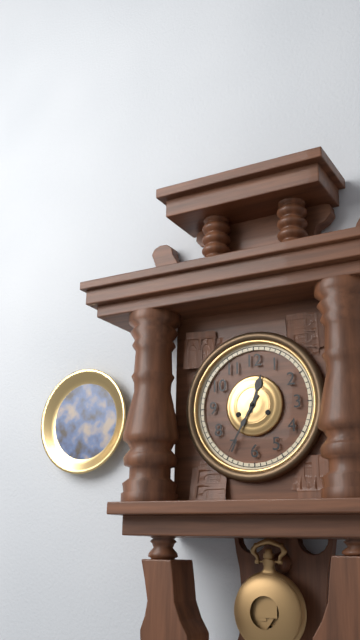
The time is 12:35
